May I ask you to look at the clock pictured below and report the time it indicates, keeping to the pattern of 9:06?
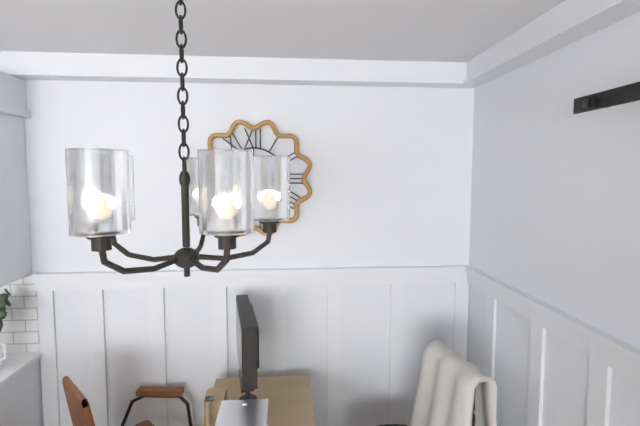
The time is 12:37
